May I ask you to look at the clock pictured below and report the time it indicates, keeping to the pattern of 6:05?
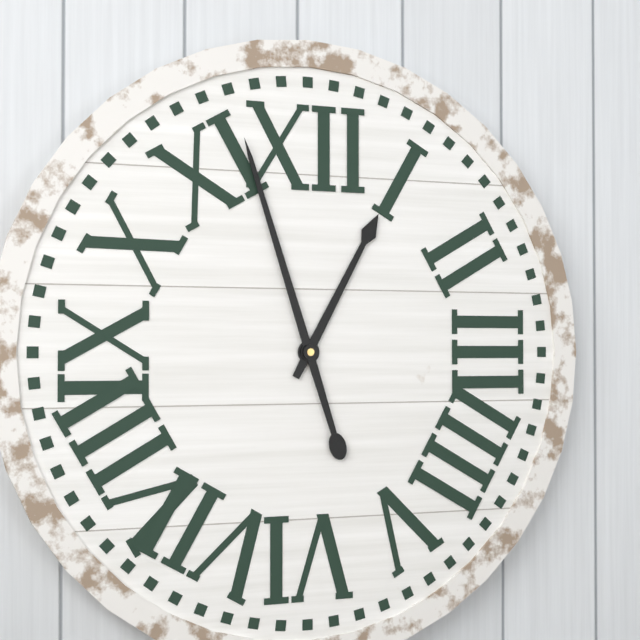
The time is 12:57
